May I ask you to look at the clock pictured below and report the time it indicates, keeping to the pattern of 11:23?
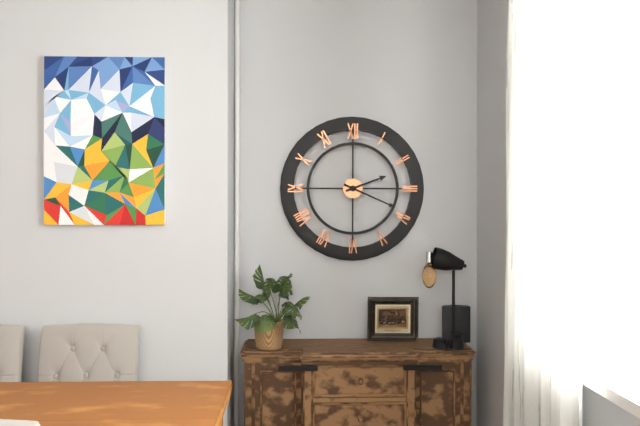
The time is 2:19
